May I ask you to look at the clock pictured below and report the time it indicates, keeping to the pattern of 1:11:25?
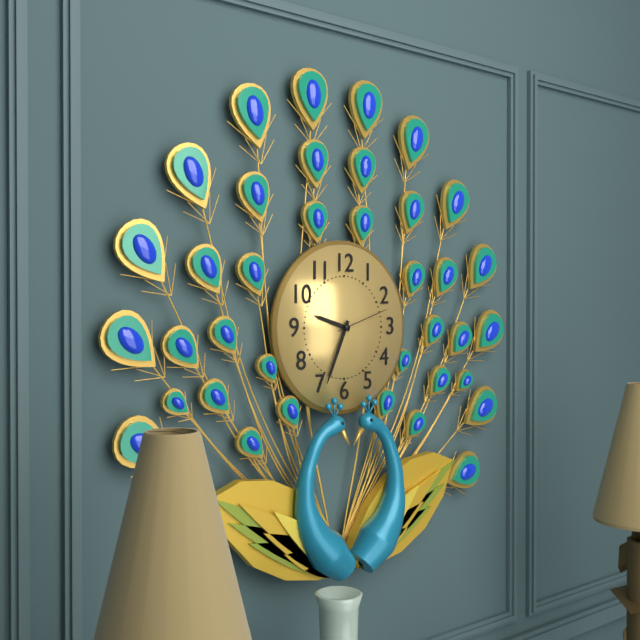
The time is 9:34:12
